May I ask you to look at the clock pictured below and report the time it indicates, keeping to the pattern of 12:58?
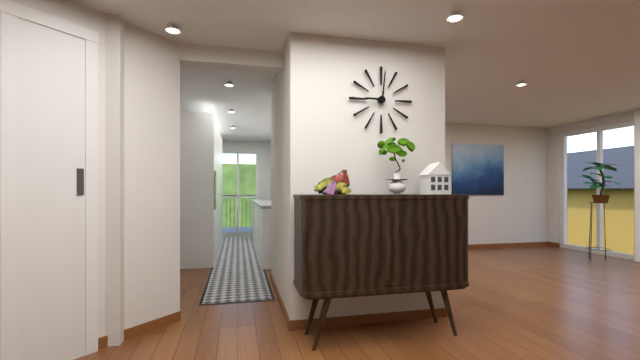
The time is 9:01
